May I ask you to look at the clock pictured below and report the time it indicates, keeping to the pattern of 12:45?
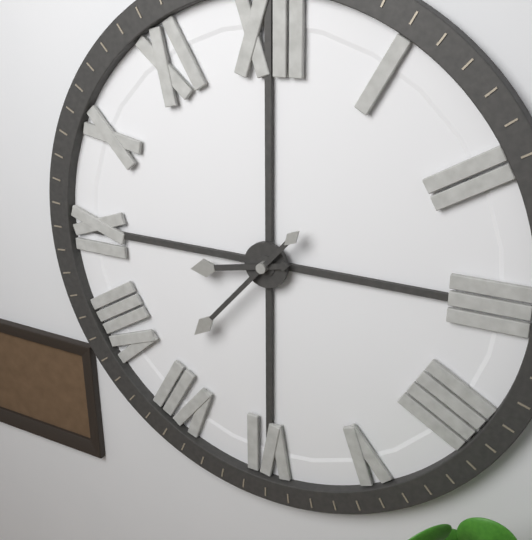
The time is 8:37
